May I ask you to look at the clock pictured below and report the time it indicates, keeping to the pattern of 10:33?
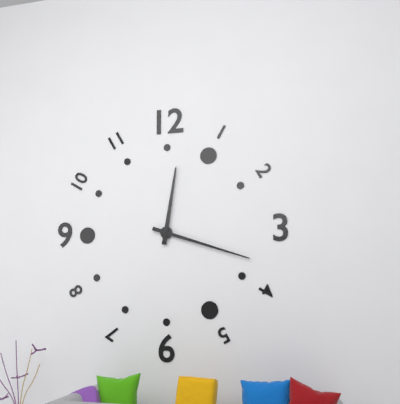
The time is 12:18
